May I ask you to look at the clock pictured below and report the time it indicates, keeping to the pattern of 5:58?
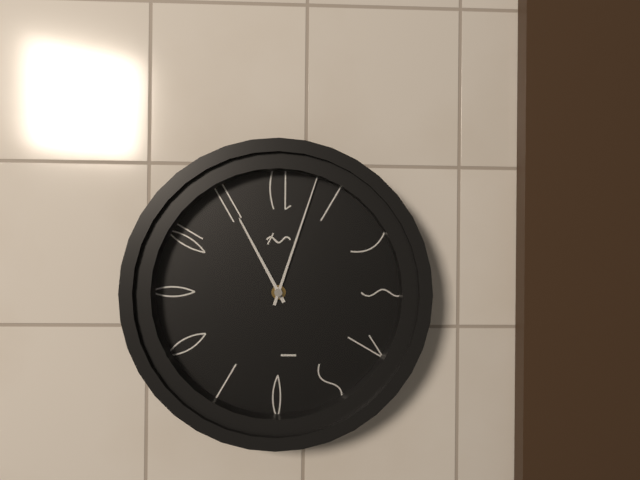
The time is 11:03
